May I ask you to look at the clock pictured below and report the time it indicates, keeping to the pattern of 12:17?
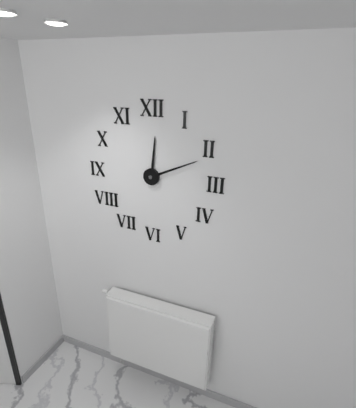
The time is 12:11
